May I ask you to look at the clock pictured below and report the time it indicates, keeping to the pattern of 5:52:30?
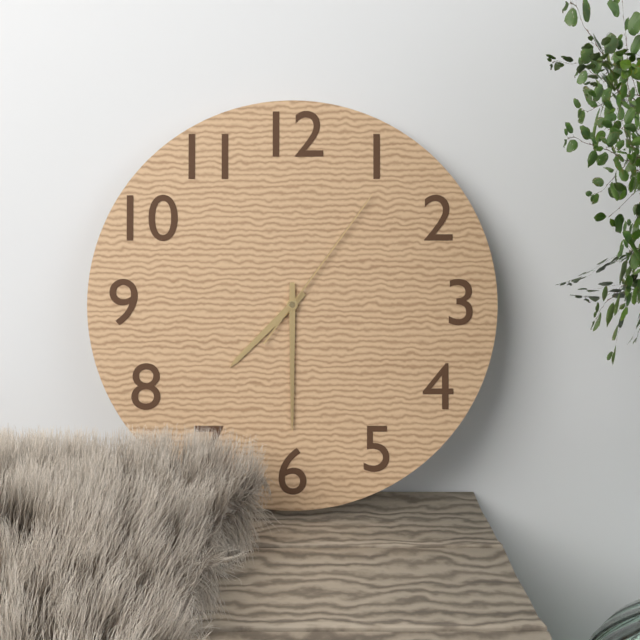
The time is 7:30:06
